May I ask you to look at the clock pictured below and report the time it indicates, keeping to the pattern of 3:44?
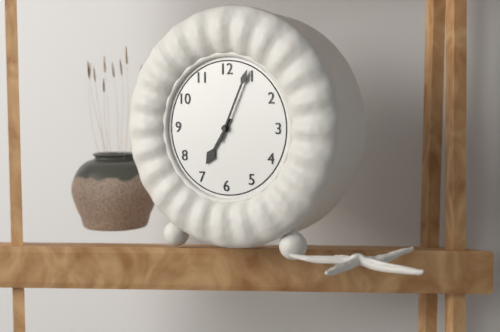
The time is 7:04
